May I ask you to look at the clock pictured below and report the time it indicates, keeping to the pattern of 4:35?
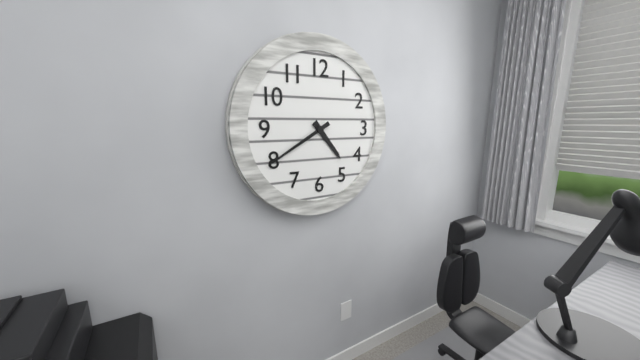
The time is 4:40
